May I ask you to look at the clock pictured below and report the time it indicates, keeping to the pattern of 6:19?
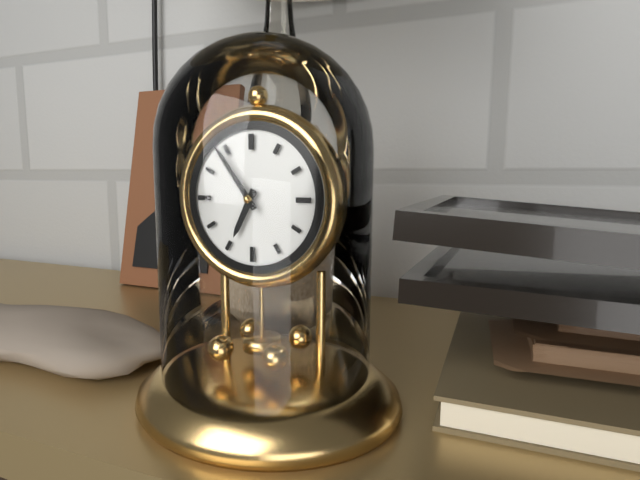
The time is 6:54
